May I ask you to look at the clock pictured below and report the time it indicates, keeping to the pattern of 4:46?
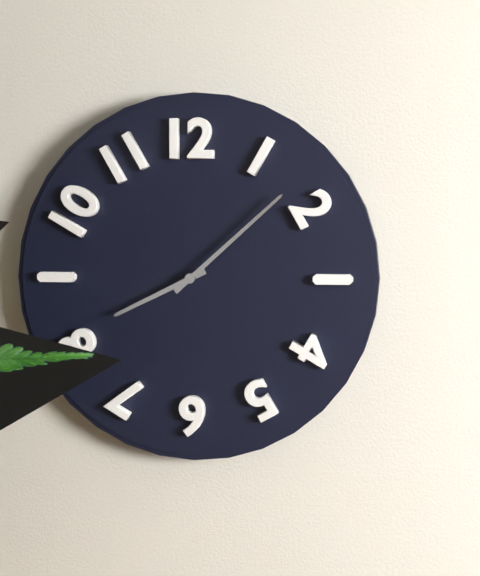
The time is 8:08
